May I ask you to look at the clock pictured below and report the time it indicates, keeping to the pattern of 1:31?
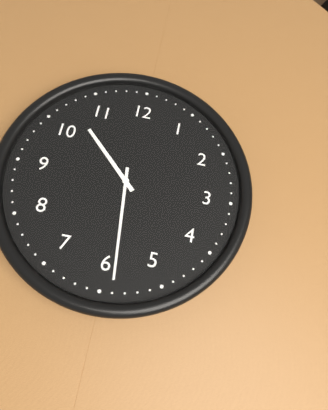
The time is 10:29
